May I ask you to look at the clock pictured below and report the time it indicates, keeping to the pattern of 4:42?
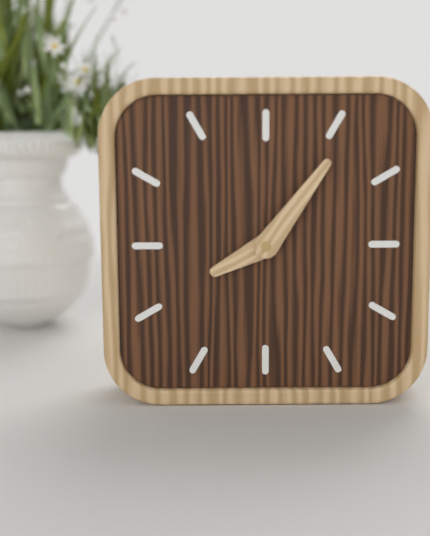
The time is 8:06
